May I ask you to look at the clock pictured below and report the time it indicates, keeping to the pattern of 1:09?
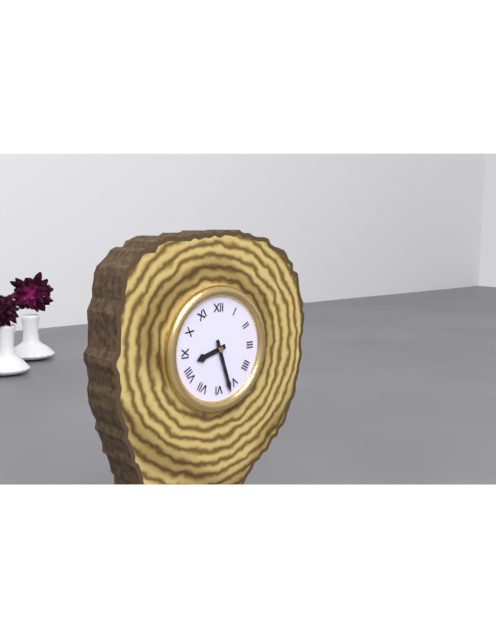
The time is 8:27
